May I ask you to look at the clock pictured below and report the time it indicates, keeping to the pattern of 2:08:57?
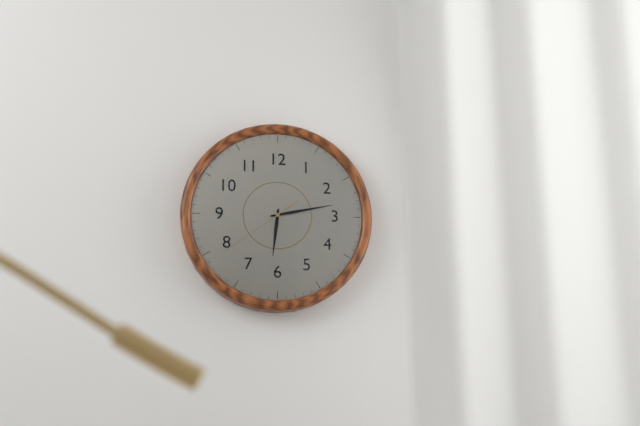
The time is 6:13:39
